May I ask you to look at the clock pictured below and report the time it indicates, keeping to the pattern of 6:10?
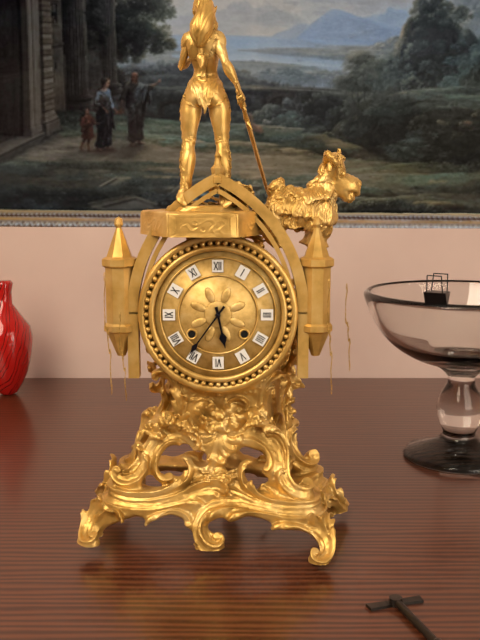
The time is 5:36
